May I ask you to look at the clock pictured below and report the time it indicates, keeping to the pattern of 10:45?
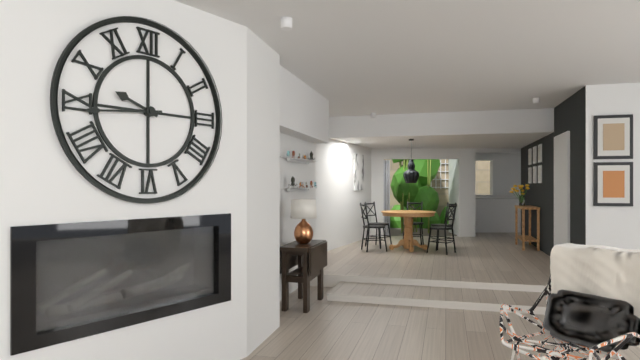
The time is 9:44
